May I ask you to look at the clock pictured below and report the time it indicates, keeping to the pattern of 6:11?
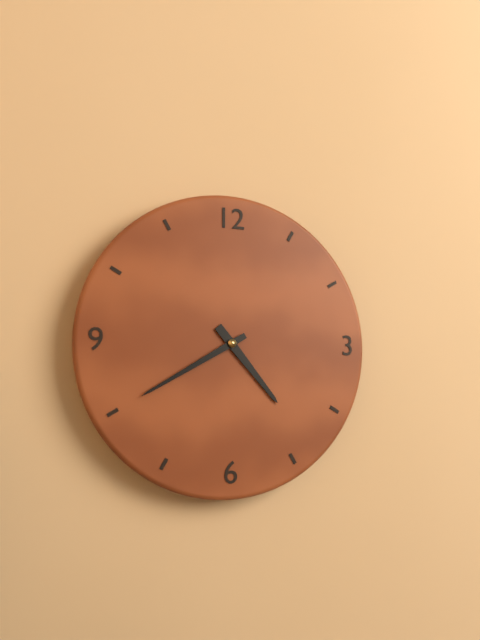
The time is 4:40
